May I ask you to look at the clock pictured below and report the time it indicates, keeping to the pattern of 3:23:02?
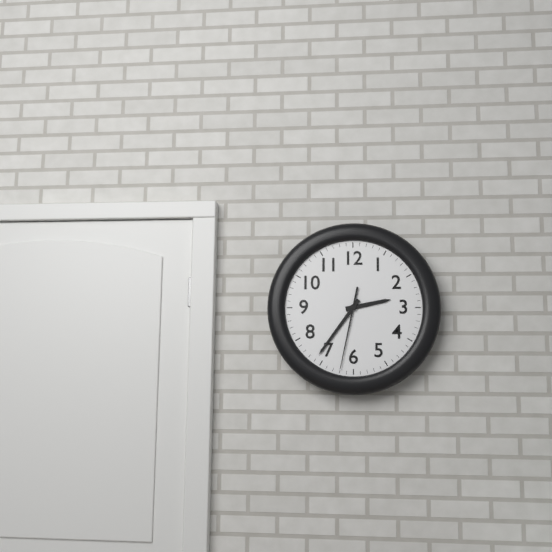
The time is 2:36:32
